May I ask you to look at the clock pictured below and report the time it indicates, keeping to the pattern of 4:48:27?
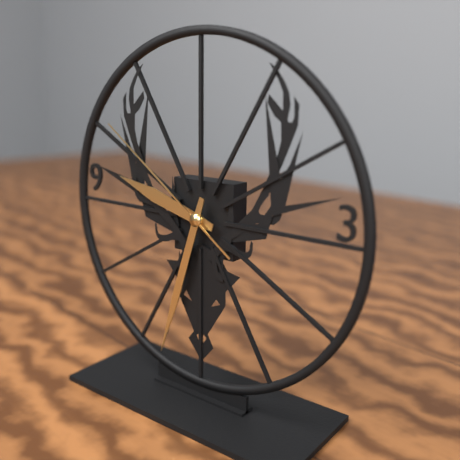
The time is 9:33:51
